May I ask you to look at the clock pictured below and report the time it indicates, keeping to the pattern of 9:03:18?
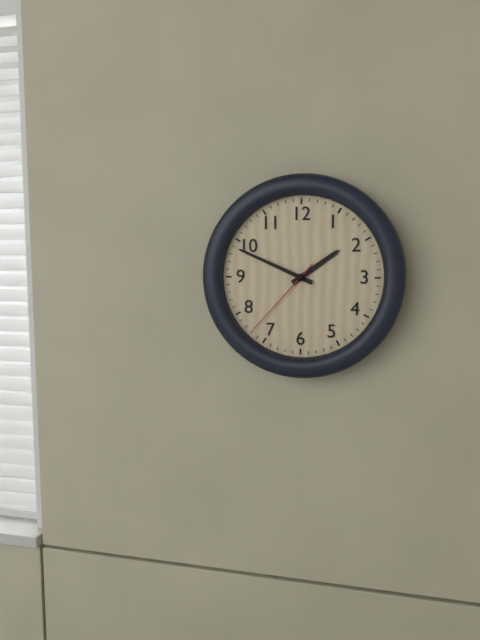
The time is 1:49:37
